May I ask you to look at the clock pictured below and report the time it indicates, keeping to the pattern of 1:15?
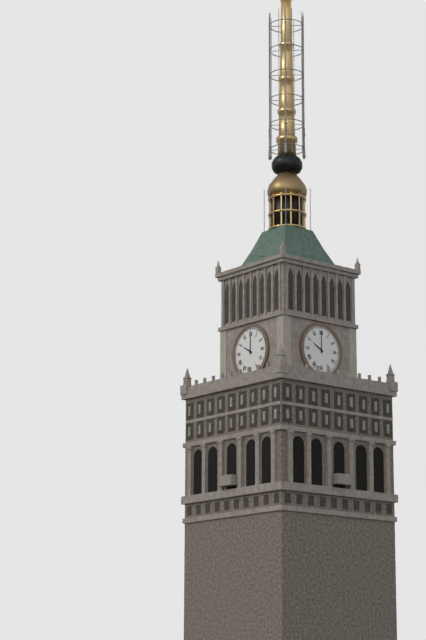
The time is 10:00
